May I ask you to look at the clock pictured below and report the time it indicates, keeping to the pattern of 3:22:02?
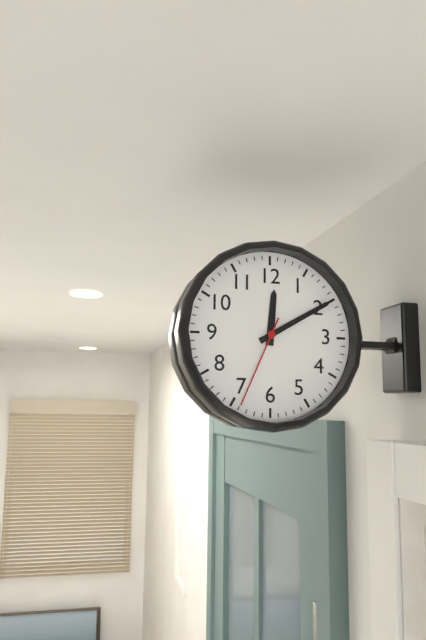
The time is 12:10:34
